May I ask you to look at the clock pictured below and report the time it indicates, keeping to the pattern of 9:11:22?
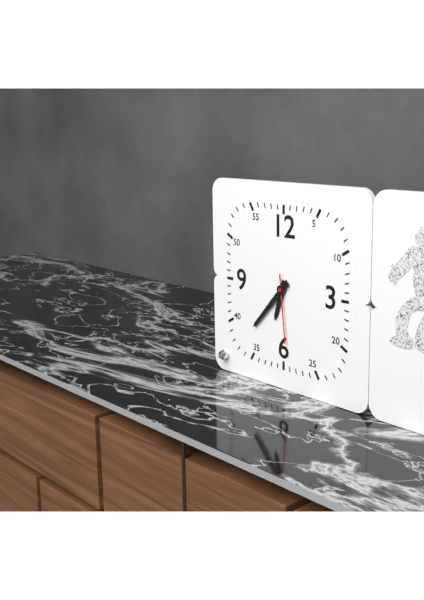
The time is 6:37:29
